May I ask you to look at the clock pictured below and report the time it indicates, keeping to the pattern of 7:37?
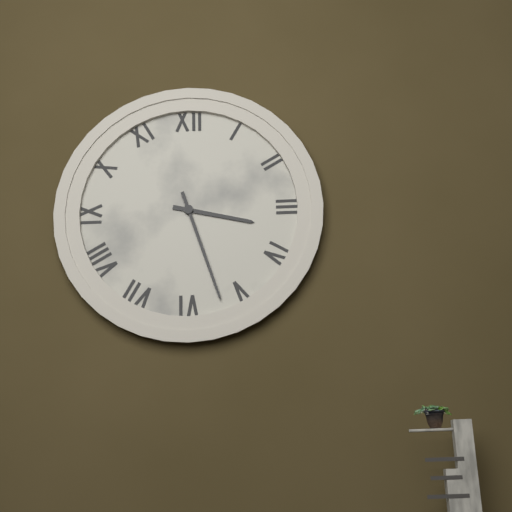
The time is 3:27
